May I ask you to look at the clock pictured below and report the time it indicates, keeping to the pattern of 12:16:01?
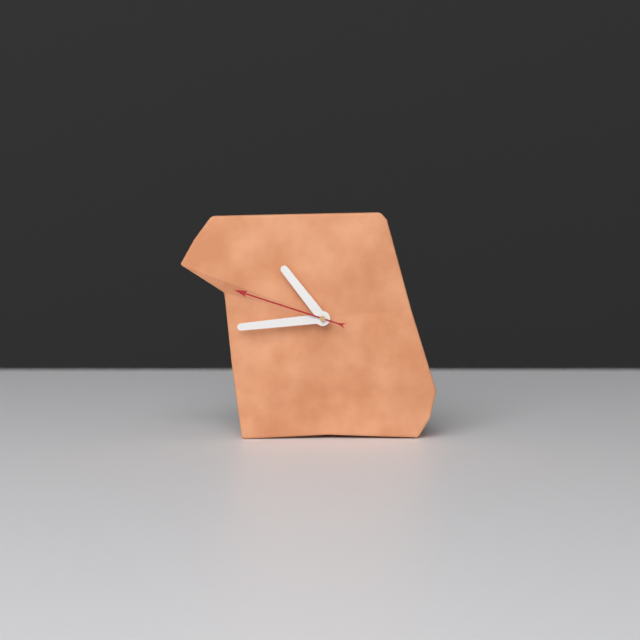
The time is 10:44:48
